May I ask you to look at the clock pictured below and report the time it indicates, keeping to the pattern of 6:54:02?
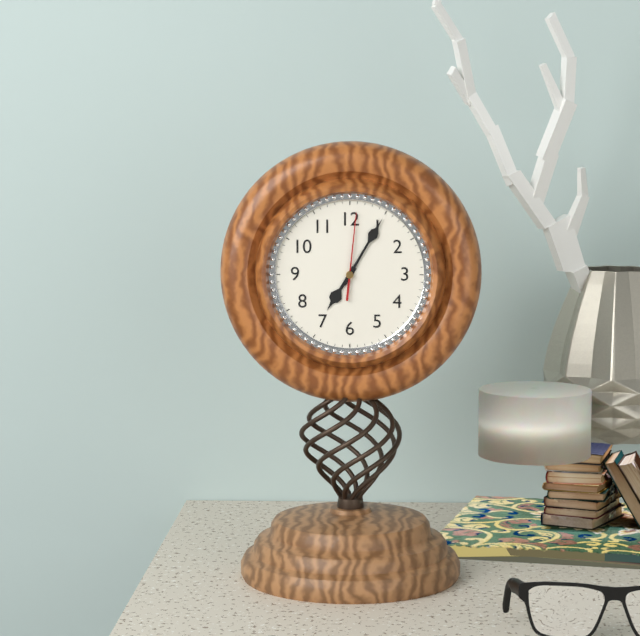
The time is 7:05:01
